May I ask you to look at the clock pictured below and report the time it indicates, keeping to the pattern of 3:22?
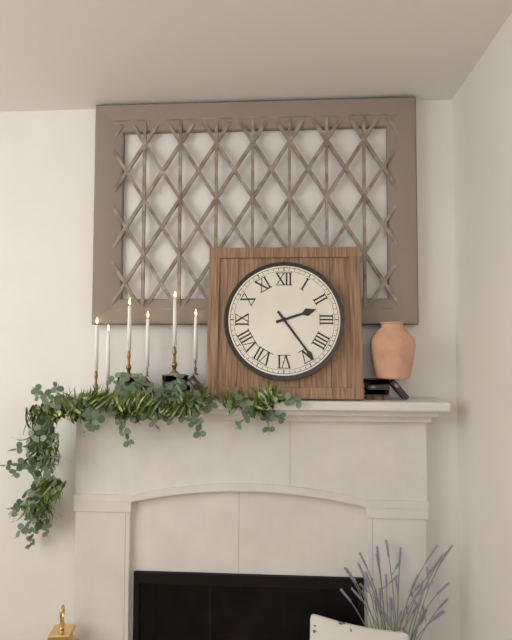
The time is 2:24
